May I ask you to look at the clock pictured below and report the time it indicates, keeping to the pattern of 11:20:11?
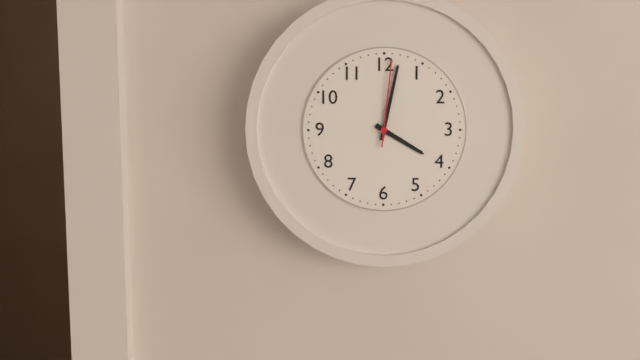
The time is 4:02:01
